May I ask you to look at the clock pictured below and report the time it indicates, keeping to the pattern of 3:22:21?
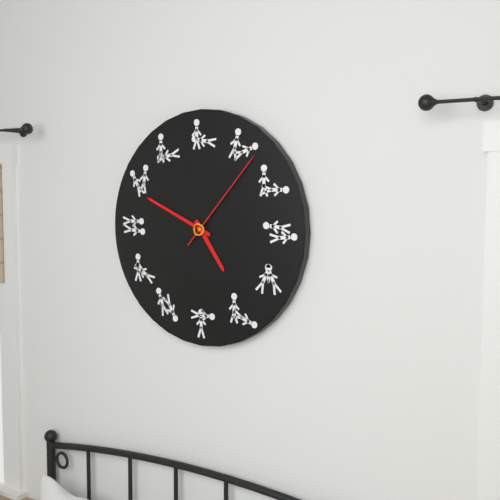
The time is 4:49:07
